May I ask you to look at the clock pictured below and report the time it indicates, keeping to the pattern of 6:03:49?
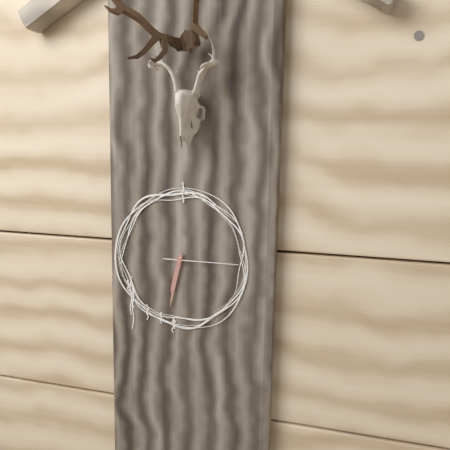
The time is 6:32:15
